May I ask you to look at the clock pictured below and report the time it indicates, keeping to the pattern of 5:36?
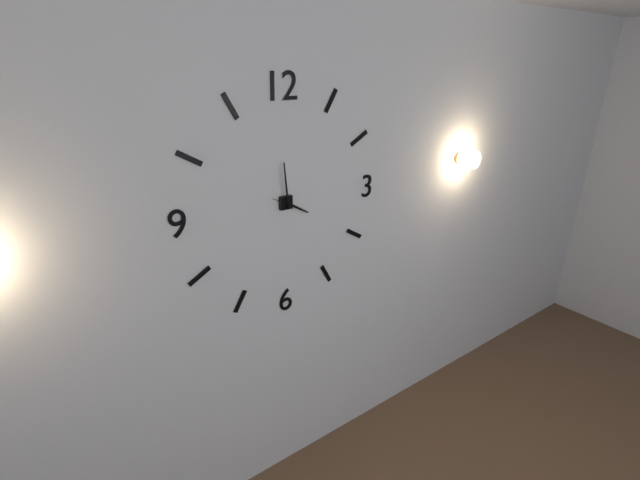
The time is 3:59
